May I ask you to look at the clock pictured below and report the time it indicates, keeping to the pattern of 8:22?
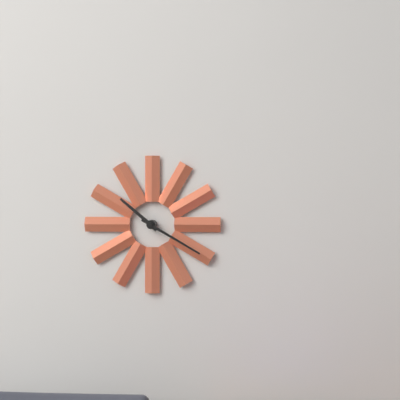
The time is 10:20
